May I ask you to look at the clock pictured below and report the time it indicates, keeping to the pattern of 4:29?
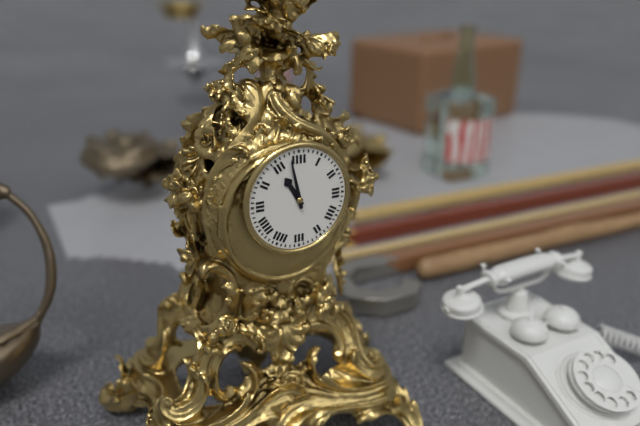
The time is 10:58
